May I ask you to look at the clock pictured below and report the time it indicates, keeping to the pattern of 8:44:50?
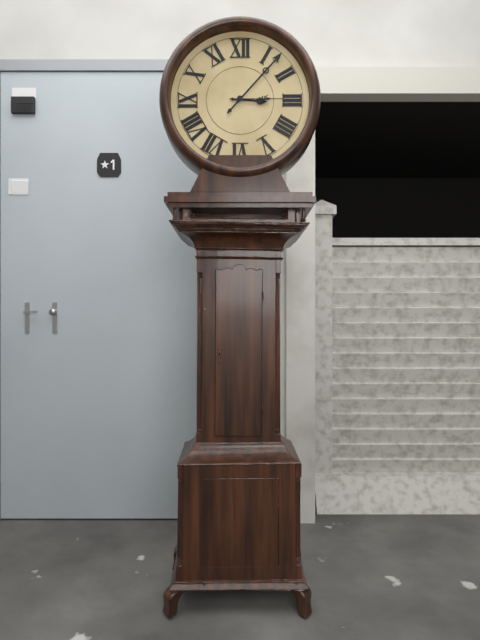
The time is 3:07:15
